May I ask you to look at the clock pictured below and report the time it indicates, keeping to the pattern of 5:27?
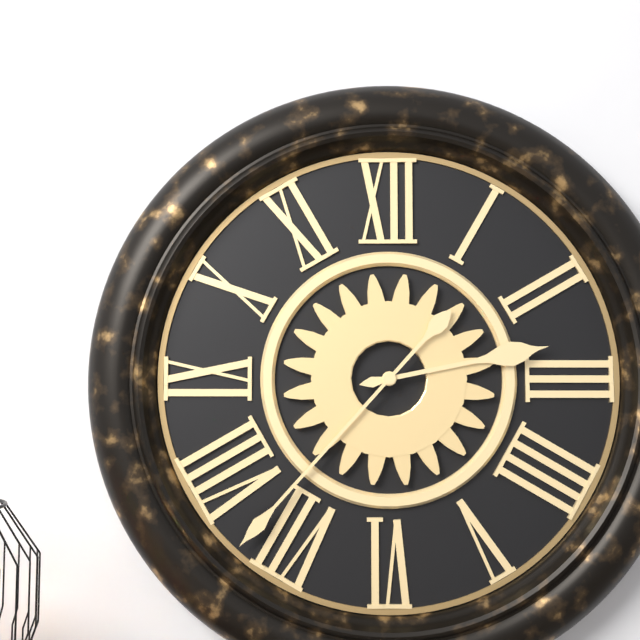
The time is 2:37
